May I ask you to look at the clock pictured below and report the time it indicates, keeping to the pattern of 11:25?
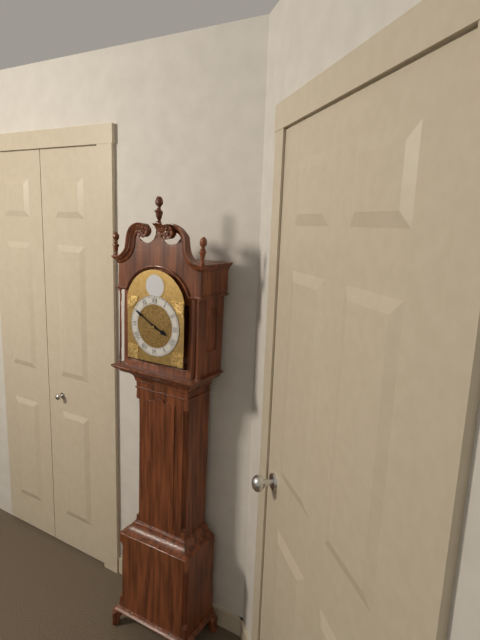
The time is 3:50
